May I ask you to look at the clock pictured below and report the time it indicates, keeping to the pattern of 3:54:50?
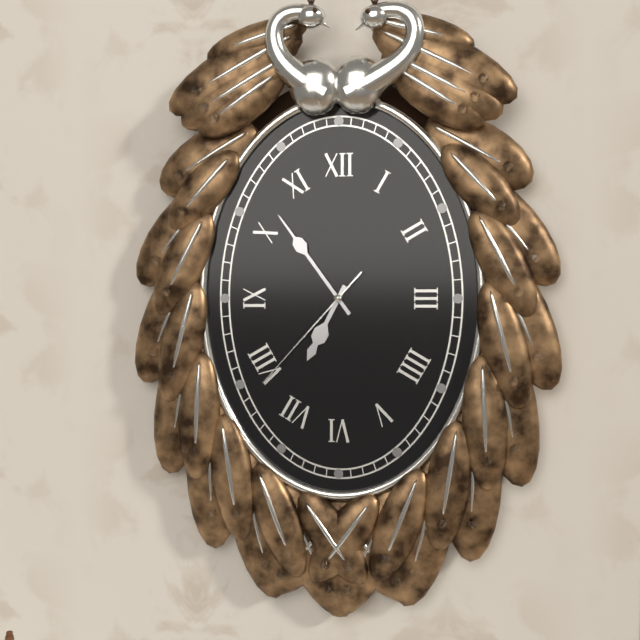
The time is 6:54:37
